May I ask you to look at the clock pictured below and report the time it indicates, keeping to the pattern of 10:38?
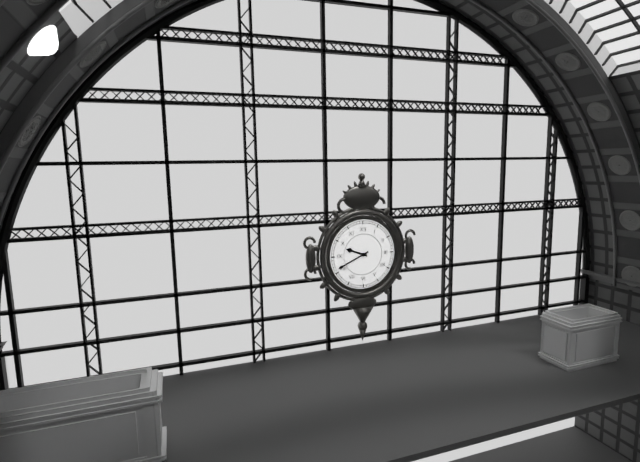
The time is 9:41
